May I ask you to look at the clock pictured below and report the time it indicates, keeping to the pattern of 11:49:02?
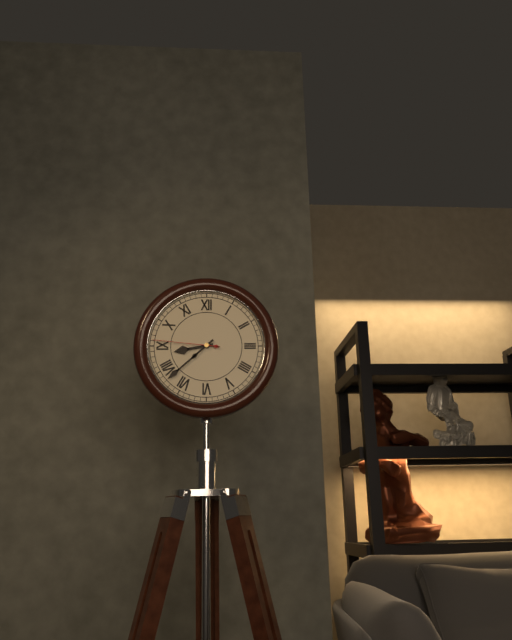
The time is 8:38:46
